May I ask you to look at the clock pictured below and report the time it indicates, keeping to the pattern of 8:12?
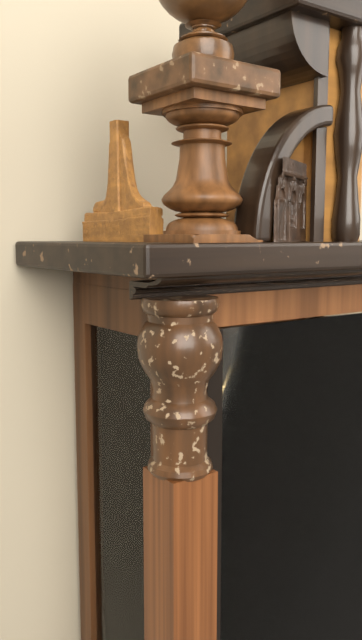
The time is 12:42
